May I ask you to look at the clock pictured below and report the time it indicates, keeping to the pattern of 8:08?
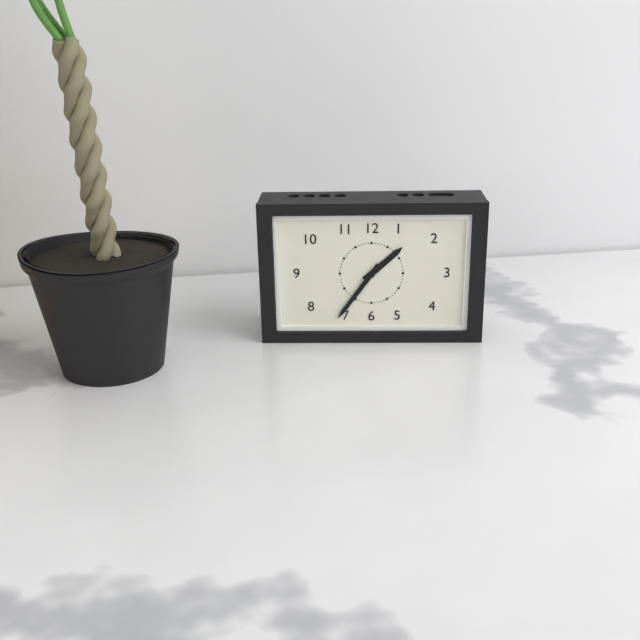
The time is 1:36
